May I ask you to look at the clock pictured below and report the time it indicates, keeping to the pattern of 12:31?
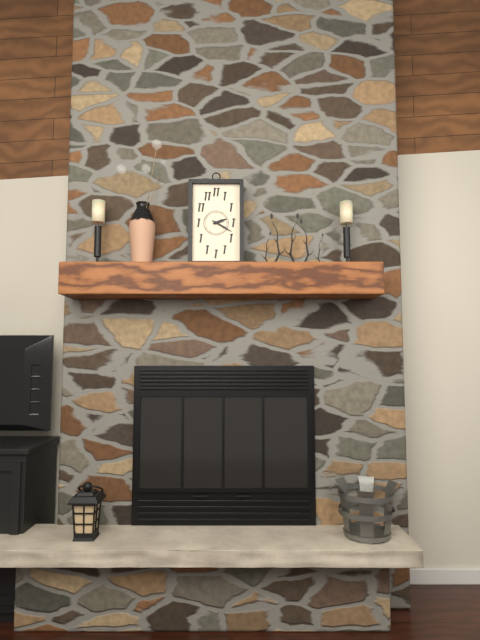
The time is 2:20
